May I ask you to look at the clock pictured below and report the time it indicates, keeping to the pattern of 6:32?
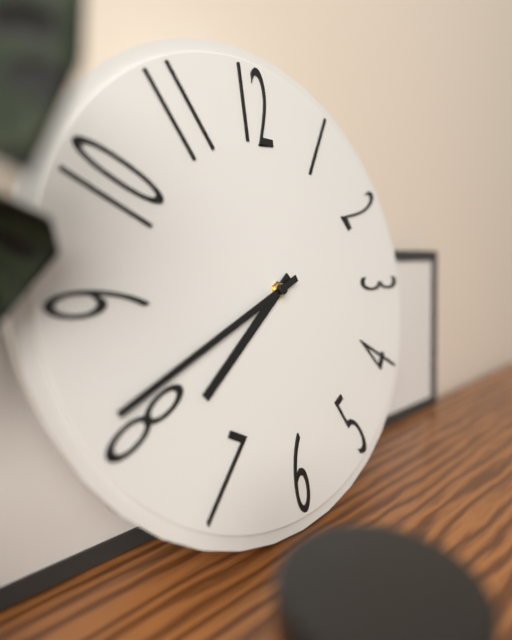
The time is 7:41
